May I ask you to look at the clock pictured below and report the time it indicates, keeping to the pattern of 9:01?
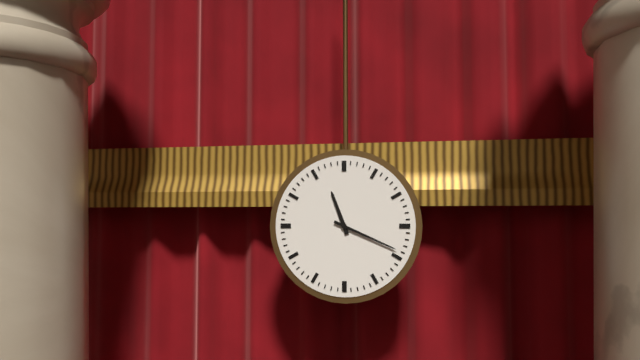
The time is 11:19
